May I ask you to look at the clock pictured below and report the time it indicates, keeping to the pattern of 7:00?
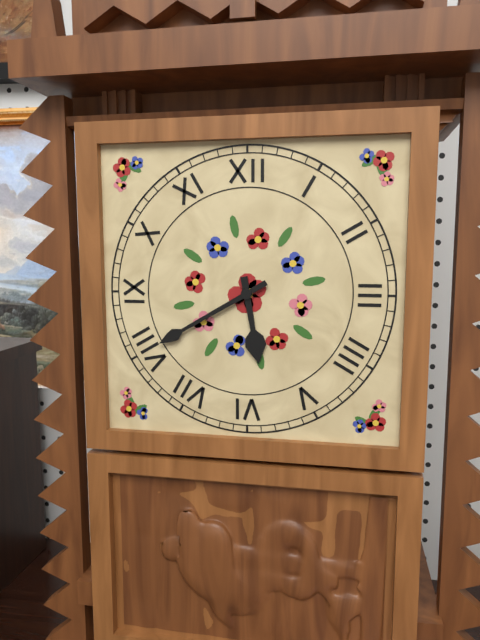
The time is 5:40
